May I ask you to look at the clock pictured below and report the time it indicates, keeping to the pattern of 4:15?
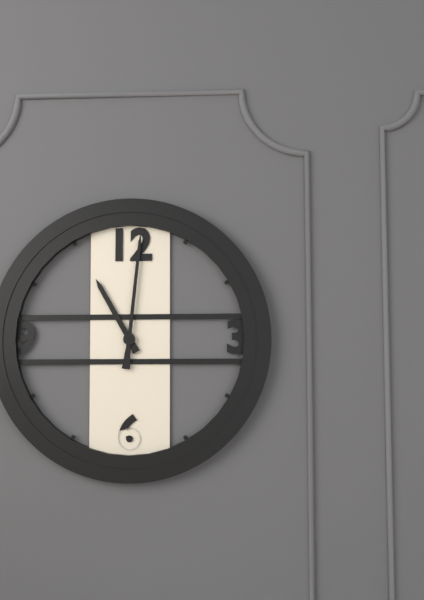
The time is 11:01
